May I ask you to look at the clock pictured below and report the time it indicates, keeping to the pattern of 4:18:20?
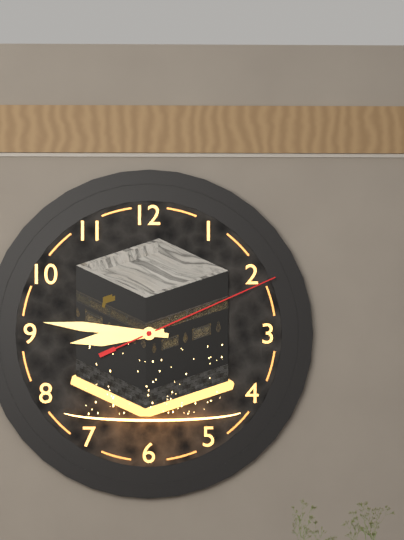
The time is 8:46:11
